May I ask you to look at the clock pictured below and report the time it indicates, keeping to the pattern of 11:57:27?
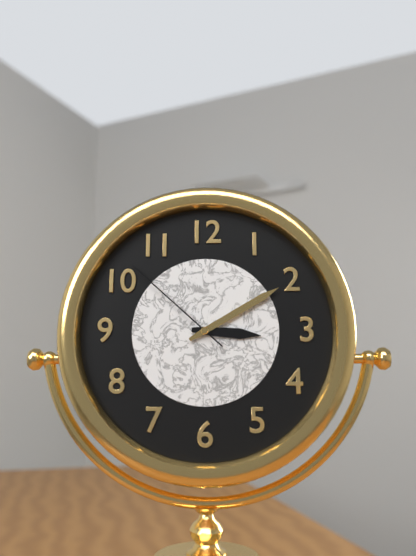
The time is 3:10:52
